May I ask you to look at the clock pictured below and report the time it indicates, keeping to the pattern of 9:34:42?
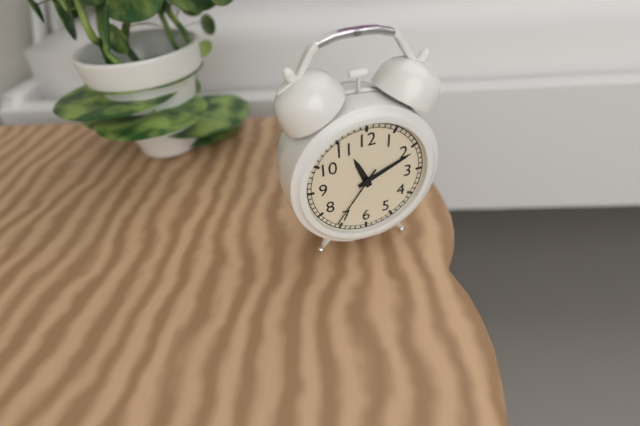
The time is 11:11:36
